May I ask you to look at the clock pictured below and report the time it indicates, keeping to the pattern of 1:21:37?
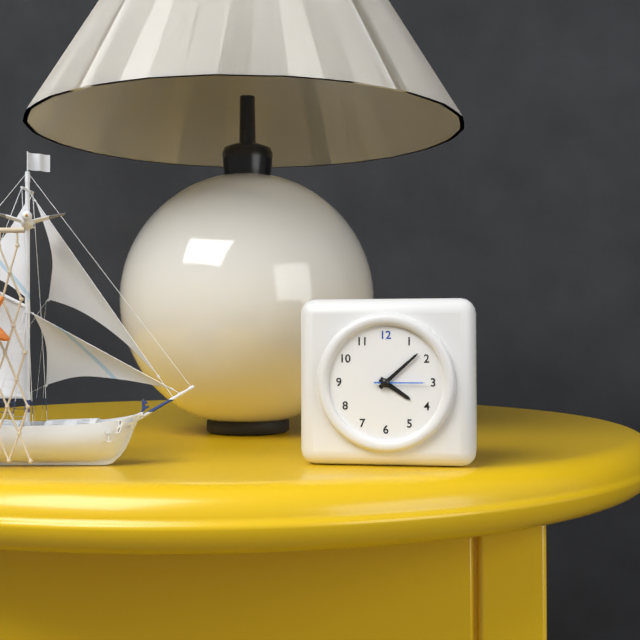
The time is 4:08:15
